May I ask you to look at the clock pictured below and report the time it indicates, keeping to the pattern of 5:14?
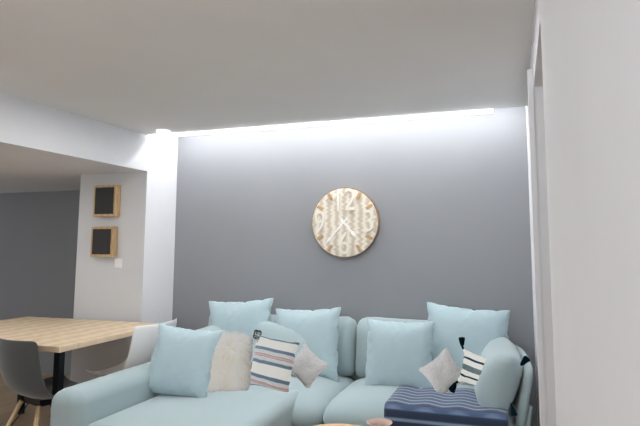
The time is 4:37
